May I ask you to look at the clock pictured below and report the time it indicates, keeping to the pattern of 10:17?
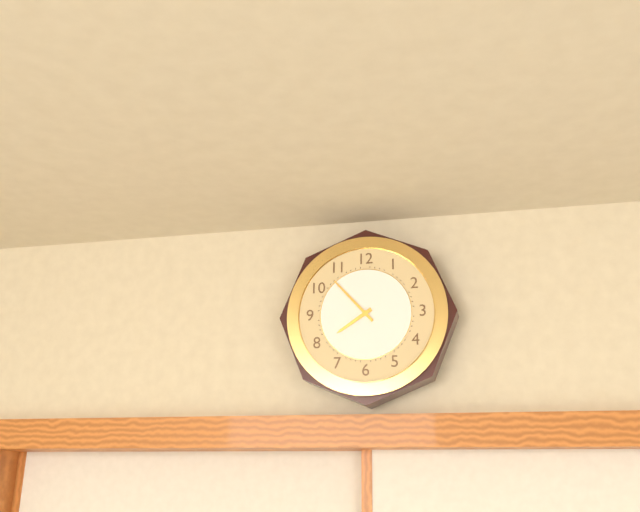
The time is 7:53
